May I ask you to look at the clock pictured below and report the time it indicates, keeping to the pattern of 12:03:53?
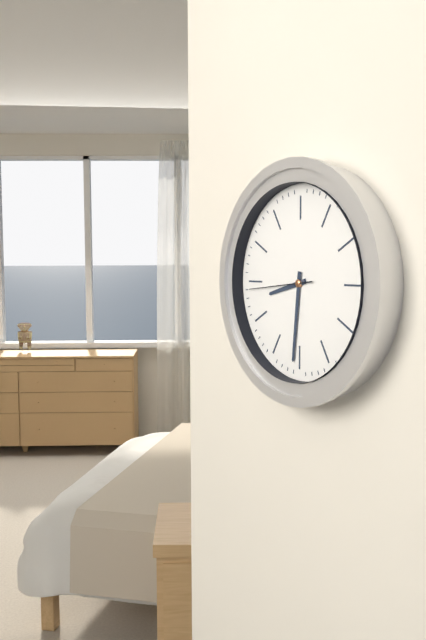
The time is 8:31:44
